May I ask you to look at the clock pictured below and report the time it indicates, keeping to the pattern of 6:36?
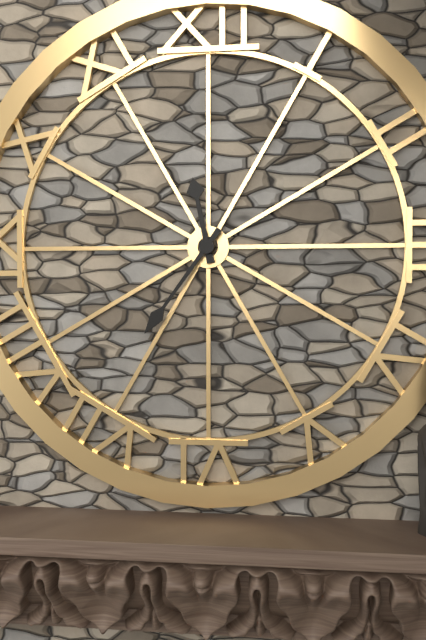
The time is 11:36
